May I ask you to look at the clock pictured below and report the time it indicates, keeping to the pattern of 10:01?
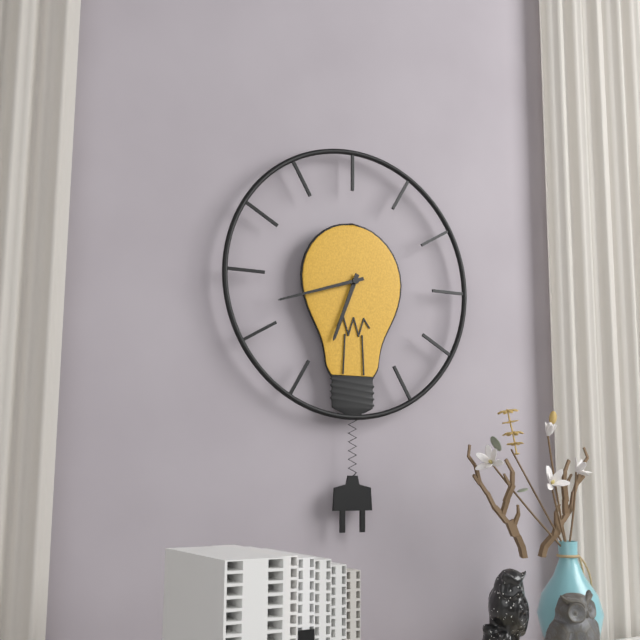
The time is 6:42
